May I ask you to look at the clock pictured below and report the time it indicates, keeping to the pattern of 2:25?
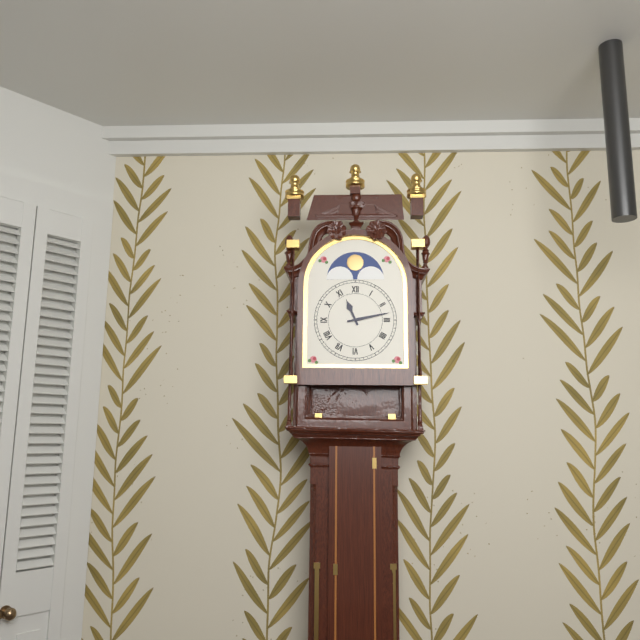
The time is 11:13
